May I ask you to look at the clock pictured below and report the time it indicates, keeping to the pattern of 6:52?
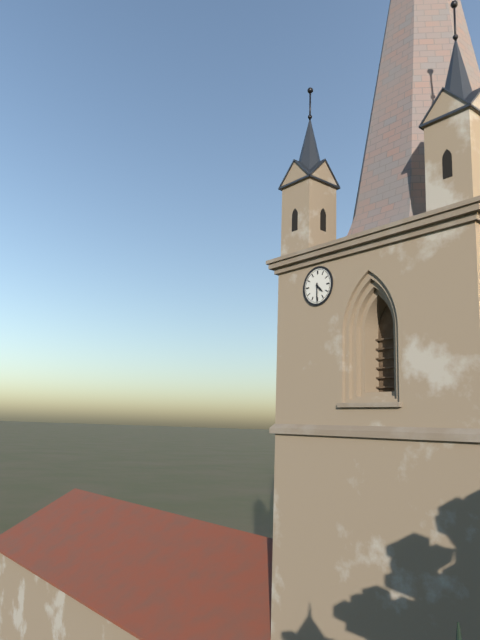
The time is 4:30
